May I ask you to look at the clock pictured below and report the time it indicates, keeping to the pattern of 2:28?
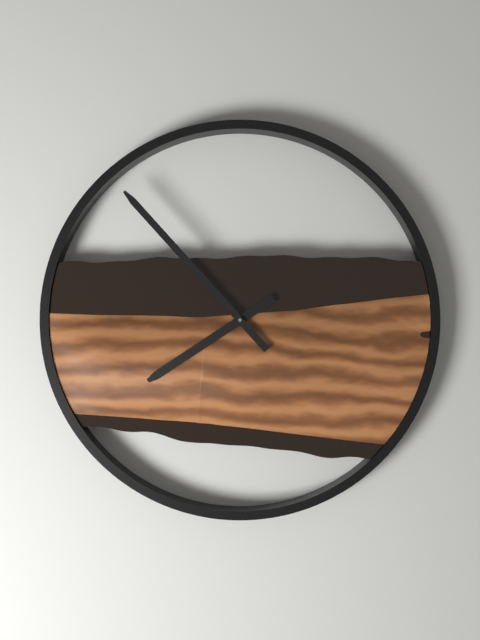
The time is 7:53
